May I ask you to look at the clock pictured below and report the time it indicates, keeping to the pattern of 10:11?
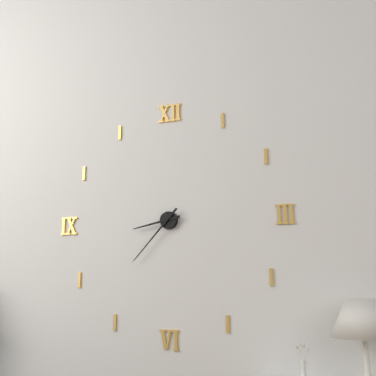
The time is 8:37
